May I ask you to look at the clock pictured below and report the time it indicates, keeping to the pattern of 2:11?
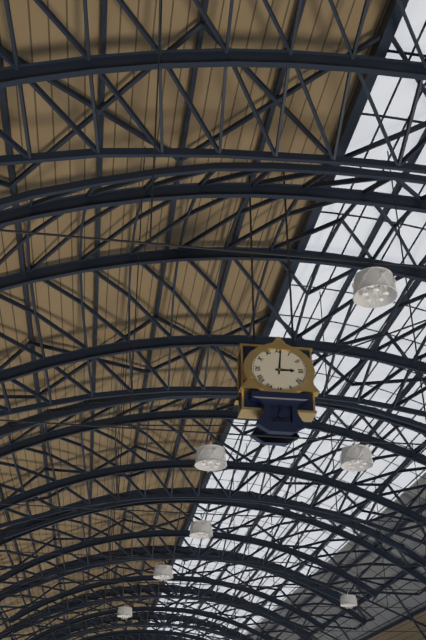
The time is 3:01
